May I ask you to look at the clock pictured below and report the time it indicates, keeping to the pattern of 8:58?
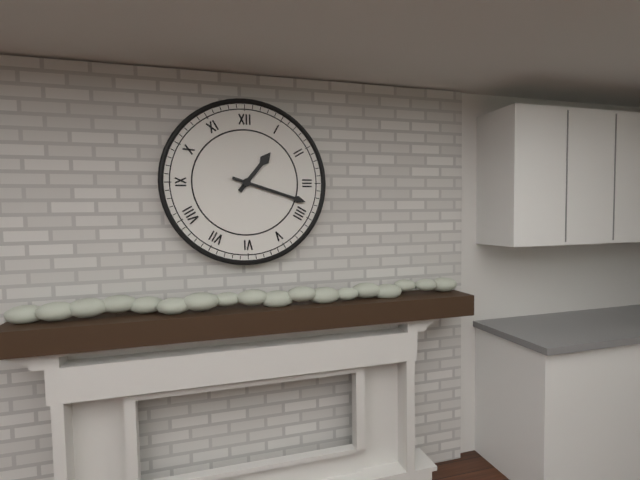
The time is 1:18
